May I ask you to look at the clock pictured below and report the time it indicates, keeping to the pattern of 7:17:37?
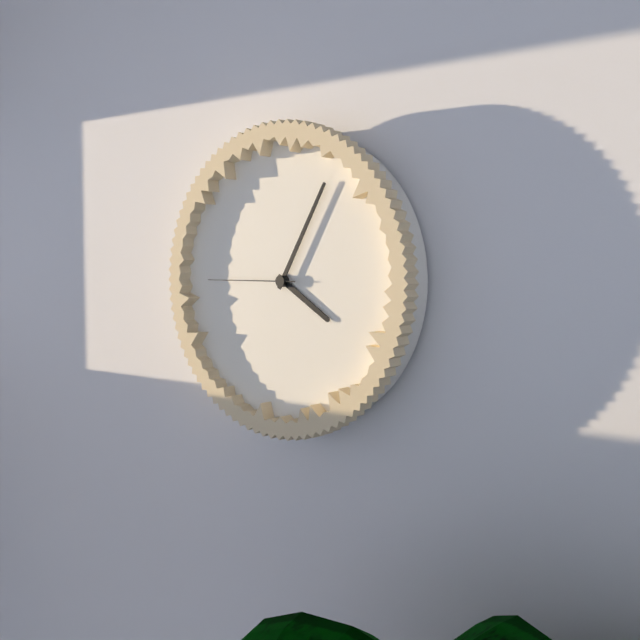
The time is 4:05:45
